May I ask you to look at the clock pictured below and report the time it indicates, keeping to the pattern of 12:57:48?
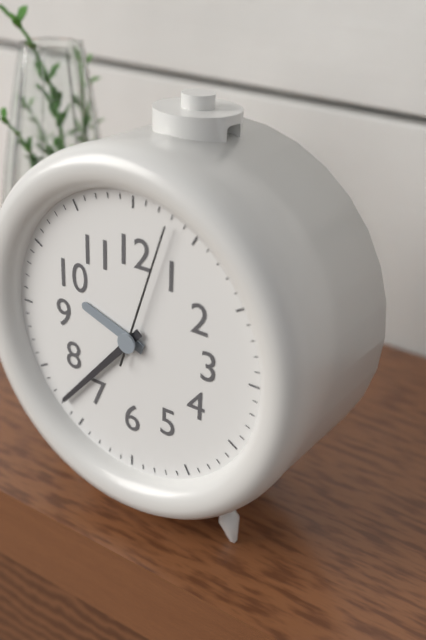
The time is 9:37:03
